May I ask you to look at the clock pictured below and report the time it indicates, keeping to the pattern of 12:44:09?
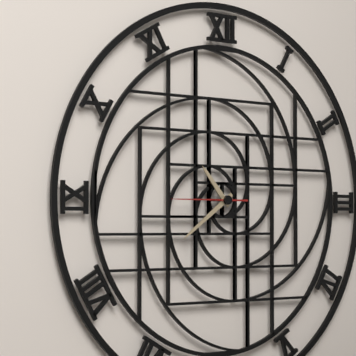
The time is 10:39:45
